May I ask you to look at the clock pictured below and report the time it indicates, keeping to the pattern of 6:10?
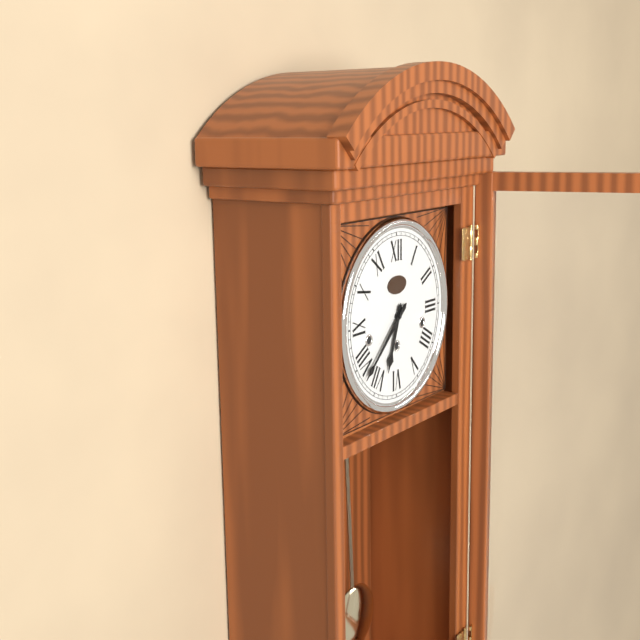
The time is 6:38
